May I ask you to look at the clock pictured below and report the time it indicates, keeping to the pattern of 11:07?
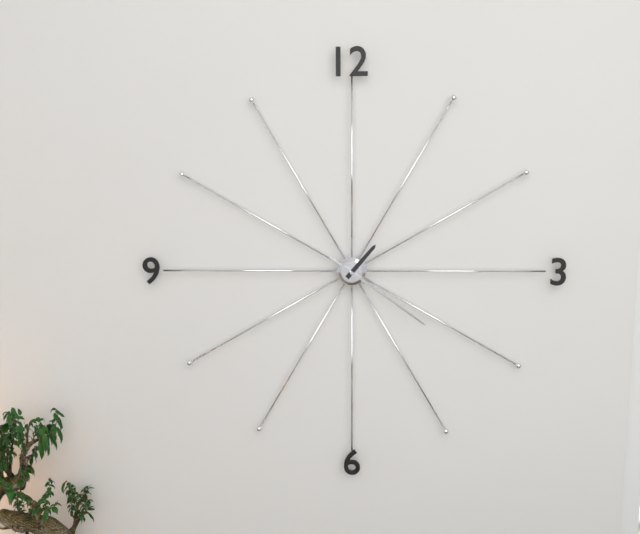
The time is 1:21
